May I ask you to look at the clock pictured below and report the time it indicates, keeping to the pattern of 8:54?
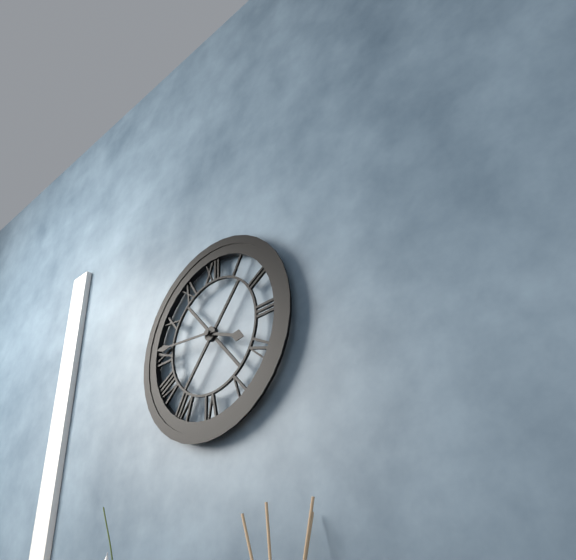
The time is 3:46
